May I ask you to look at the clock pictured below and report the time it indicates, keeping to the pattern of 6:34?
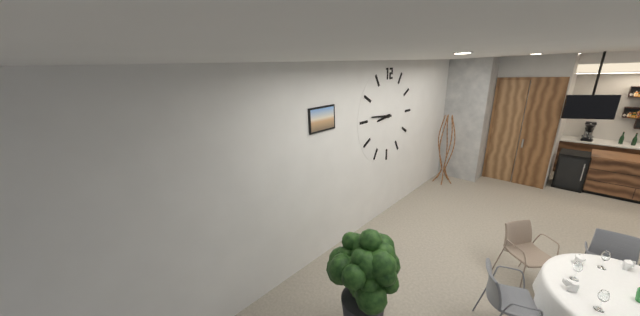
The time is 8:46
